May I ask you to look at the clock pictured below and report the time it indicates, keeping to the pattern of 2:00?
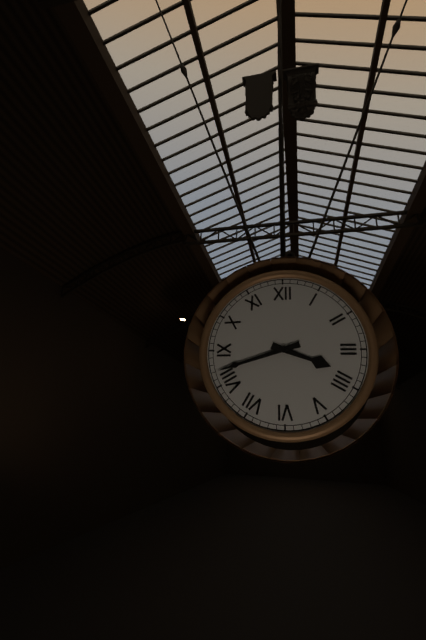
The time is 3:42
